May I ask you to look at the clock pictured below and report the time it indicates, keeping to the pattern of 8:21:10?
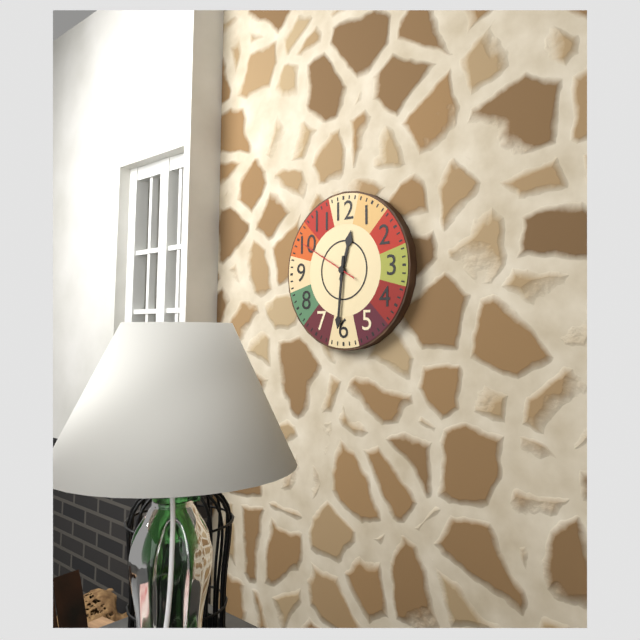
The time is 12:31:50
